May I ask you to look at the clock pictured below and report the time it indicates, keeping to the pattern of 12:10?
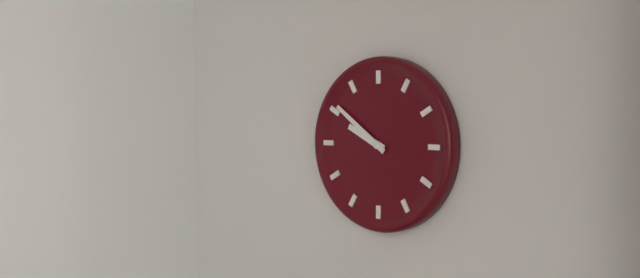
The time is 9:51
